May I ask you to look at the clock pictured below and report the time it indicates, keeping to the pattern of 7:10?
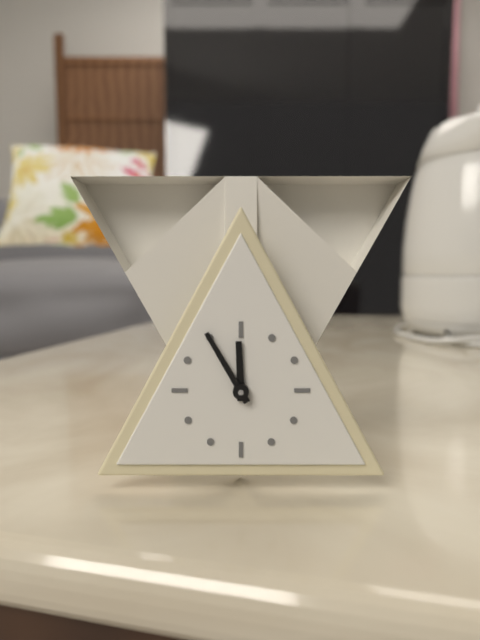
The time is 11:55
